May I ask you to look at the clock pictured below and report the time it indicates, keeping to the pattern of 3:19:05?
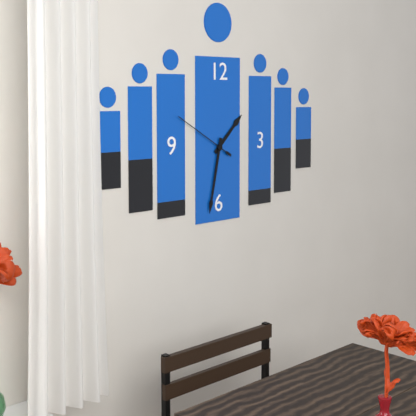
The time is 1:32:50
